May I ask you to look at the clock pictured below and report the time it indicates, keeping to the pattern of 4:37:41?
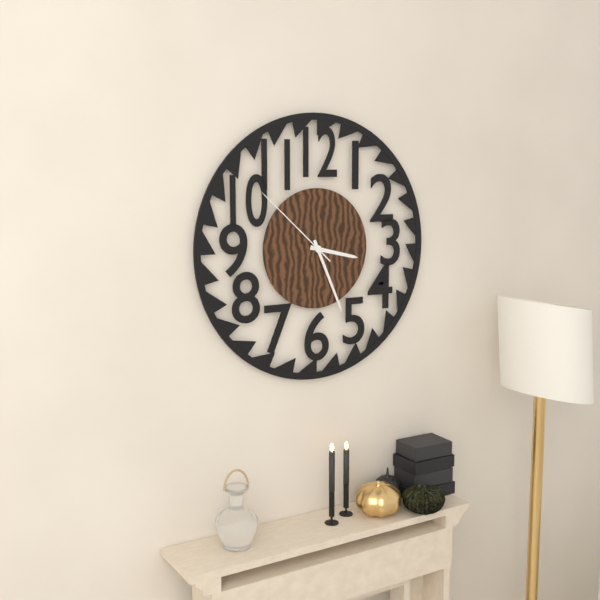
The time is 3:26:52
